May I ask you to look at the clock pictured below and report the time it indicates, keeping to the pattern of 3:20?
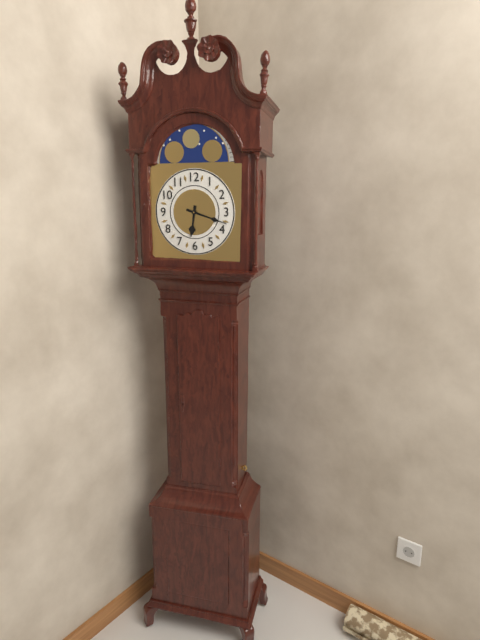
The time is 6:18
